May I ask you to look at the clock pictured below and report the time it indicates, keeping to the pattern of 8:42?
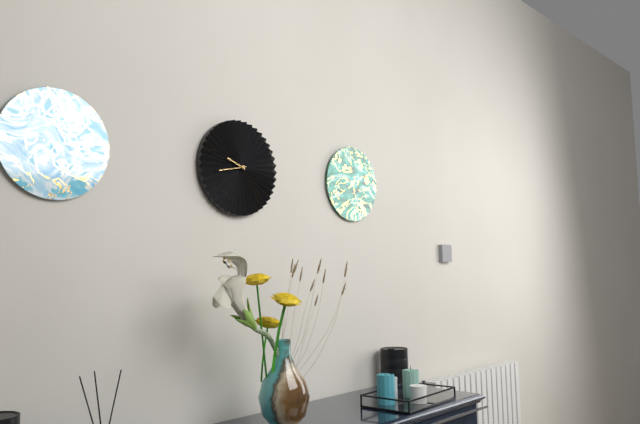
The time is 9:43
